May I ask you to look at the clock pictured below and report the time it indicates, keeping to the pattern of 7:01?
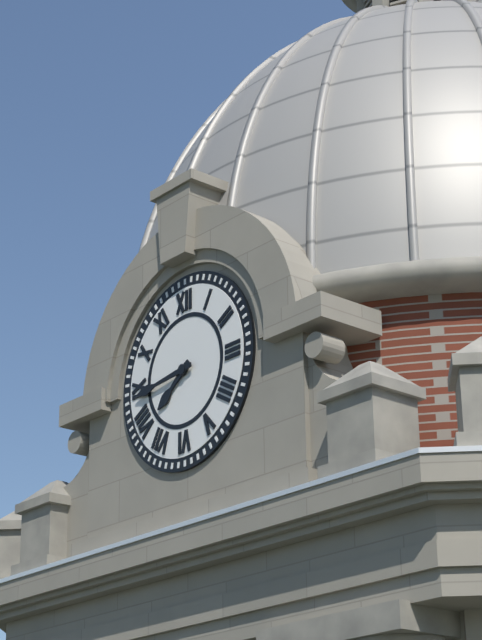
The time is 7:44
